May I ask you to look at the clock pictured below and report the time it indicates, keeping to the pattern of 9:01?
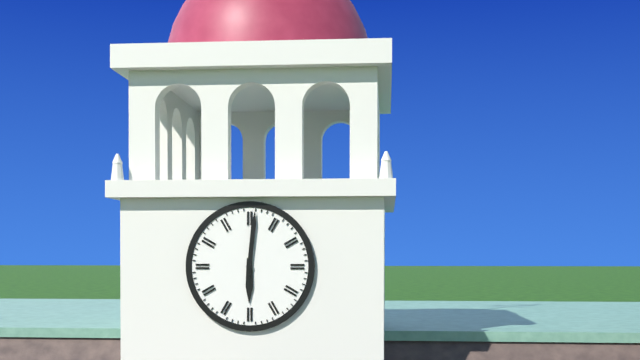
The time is 6:01
